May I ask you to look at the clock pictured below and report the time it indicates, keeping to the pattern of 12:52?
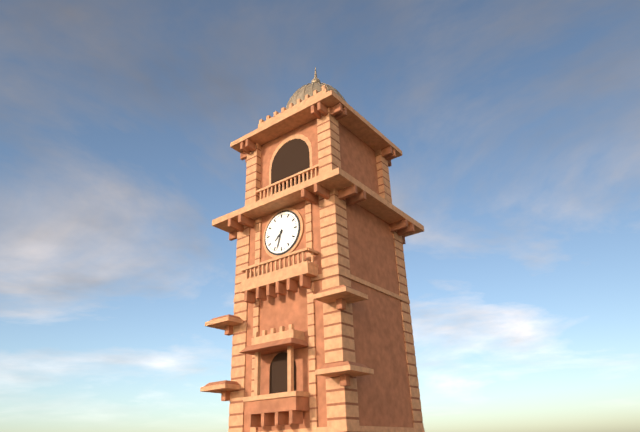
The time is 7:33
